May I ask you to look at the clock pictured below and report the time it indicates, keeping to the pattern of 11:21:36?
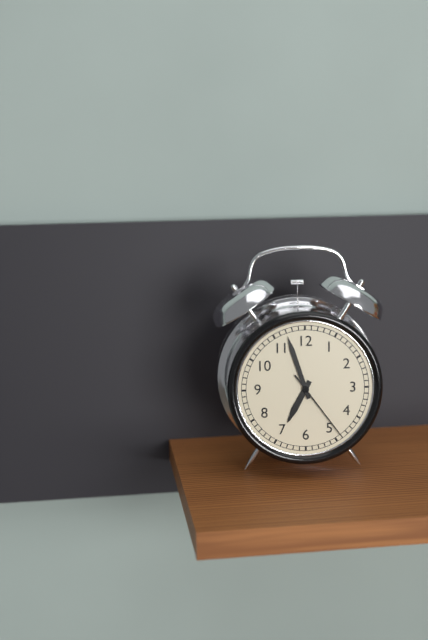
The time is 6:57:24
